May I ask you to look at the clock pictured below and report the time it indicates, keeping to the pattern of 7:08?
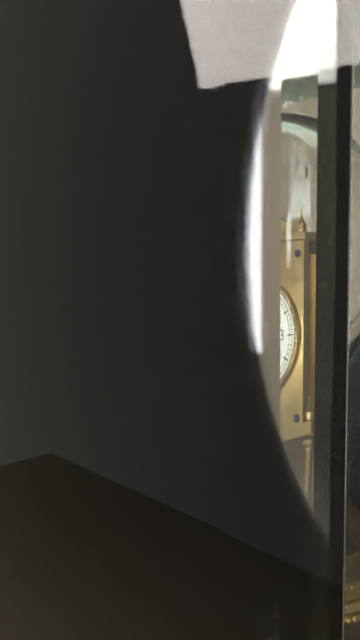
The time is 7:22
